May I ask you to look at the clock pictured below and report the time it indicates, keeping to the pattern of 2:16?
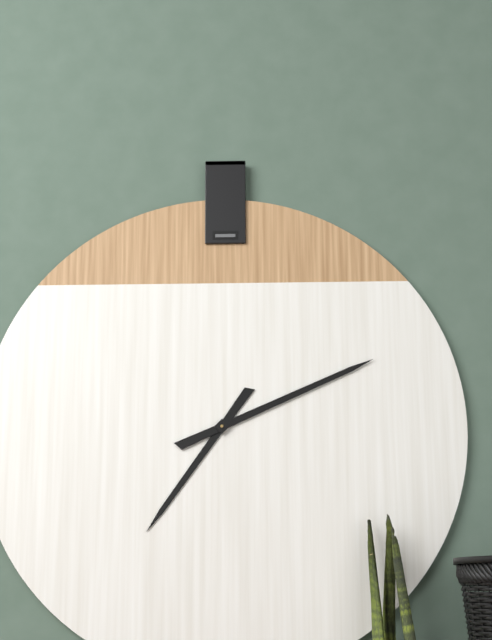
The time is 7:11
